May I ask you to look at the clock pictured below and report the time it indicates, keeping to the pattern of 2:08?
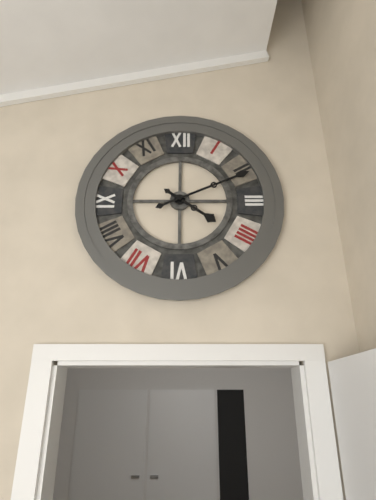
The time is 4:11
